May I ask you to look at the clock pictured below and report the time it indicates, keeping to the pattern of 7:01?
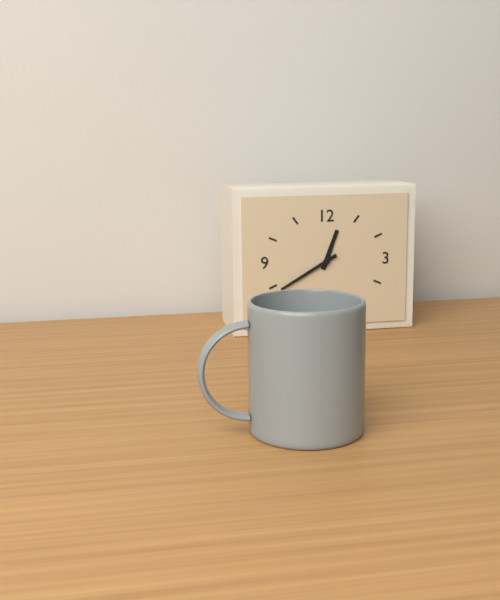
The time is 12:40
